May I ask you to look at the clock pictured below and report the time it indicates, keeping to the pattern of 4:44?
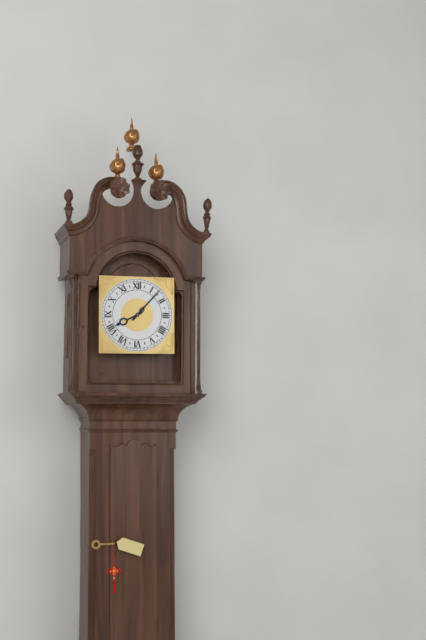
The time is 8:07
